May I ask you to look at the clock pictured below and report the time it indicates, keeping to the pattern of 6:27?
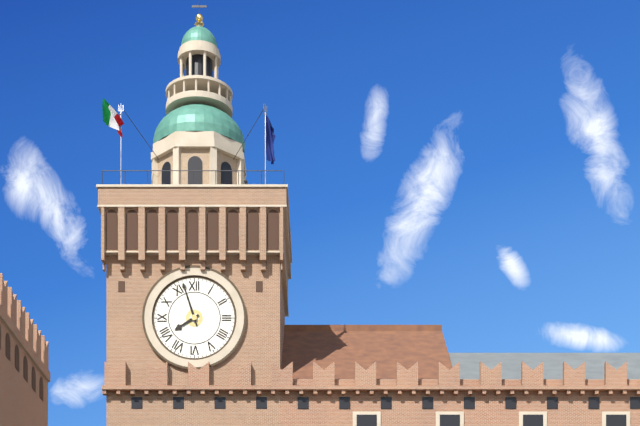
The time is 7:57
